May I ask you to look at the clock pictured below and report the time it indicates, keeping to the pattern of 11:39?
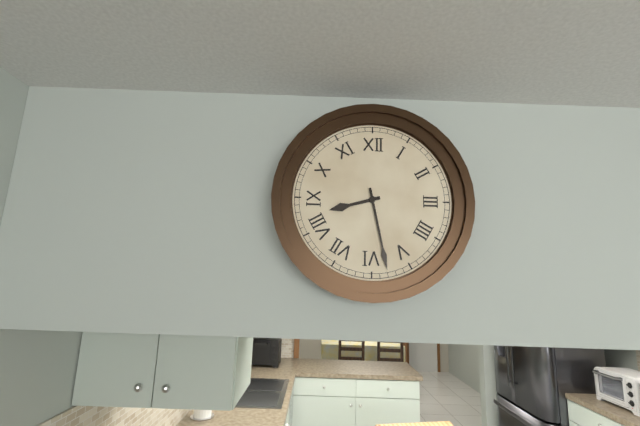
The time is 8:28
